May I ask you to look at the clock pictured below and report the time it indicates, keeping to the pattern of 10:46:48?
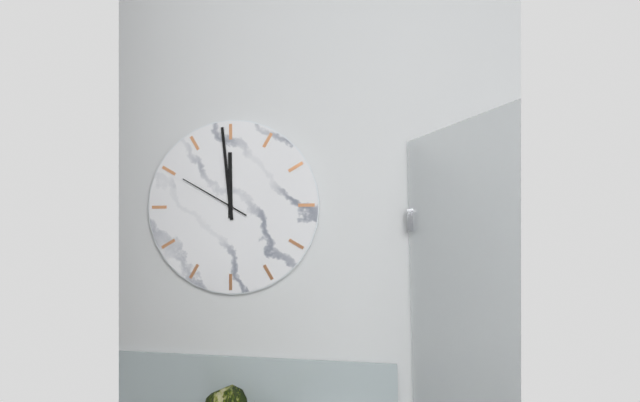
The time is 11:59:50
